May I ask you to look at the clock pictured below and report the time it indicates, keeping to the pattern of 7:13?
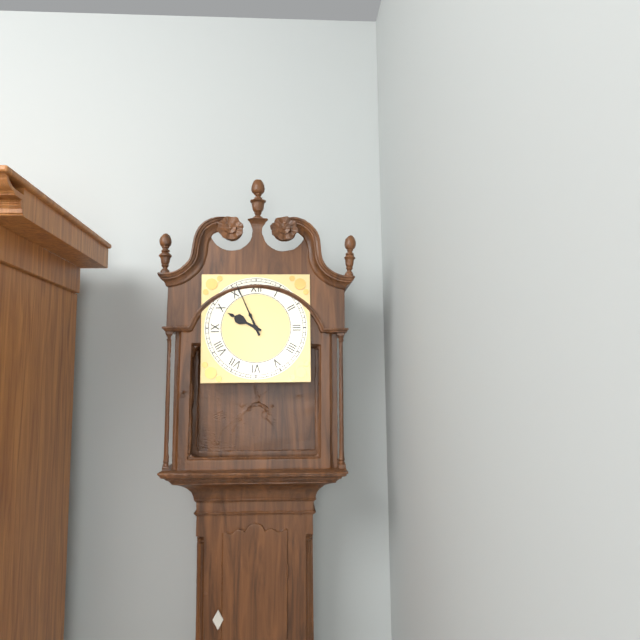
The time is 9:56
